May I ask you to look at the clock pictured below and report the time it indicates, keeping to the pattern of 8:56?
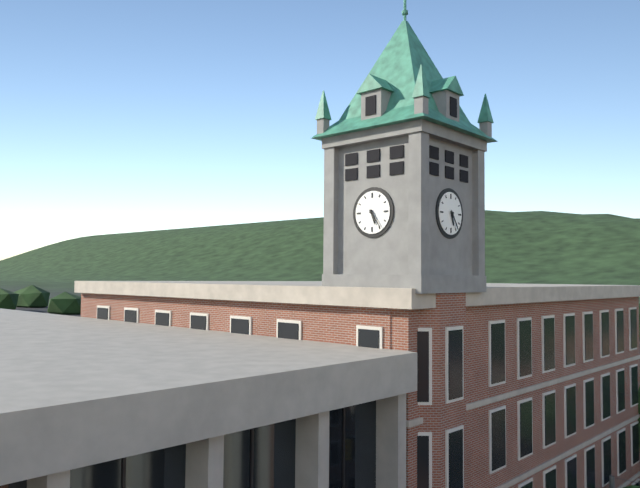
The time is 5:24
